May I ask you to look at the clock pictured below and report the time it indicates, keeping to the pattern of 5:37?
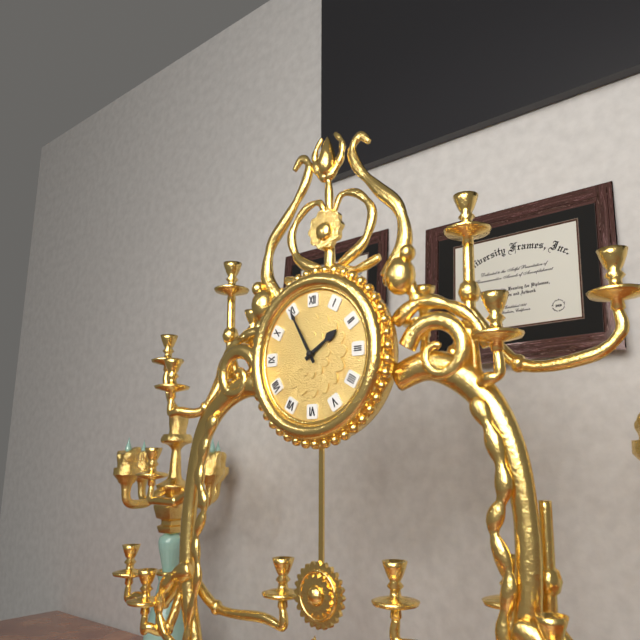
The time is 1:55
